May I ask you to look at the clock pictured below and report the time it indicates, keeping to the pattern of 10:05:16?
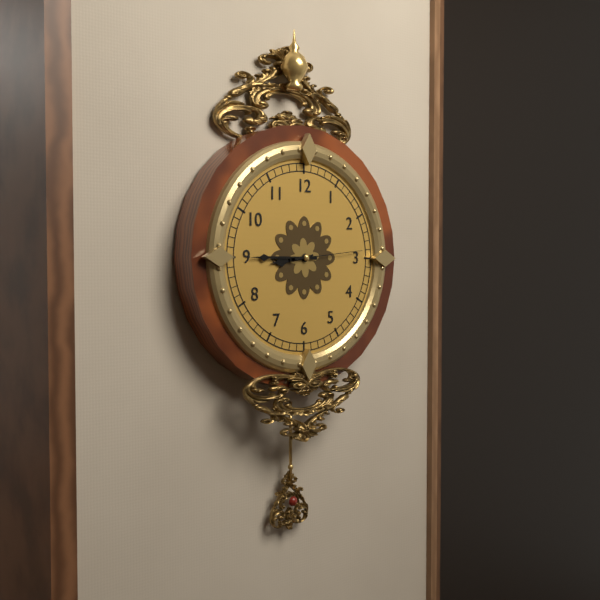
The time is 8:45:14
